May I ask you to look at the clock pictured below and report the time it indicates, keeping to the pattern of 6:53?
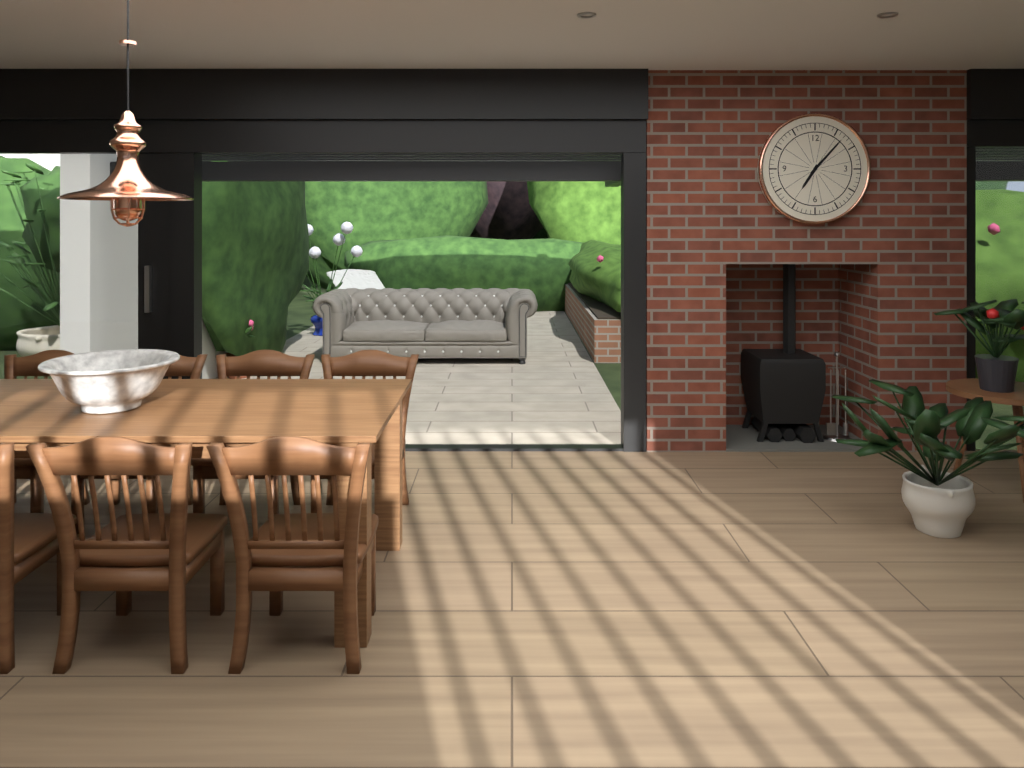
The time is 7:07
